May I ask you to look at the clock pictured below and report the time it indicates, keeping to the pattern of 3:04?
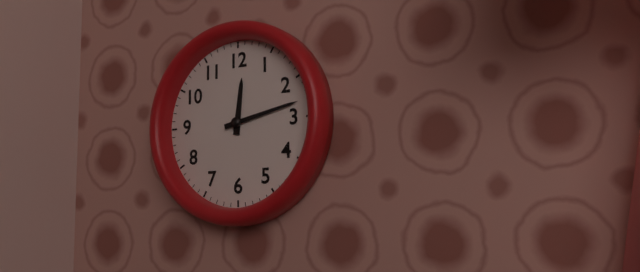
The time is 12:13
